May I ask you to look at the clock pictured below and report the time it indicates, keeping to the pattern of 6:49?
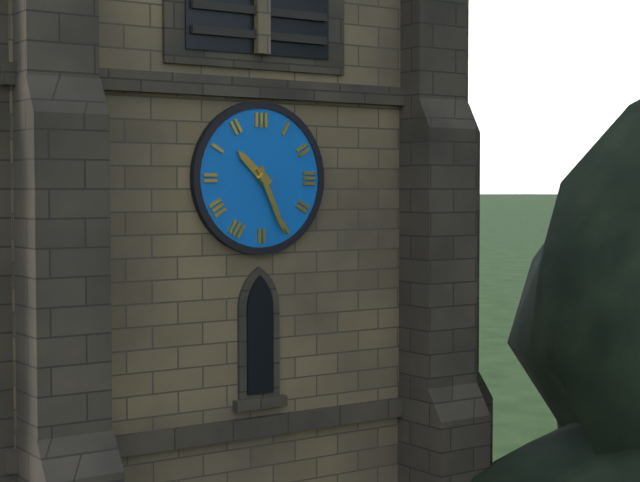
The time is 10:26
